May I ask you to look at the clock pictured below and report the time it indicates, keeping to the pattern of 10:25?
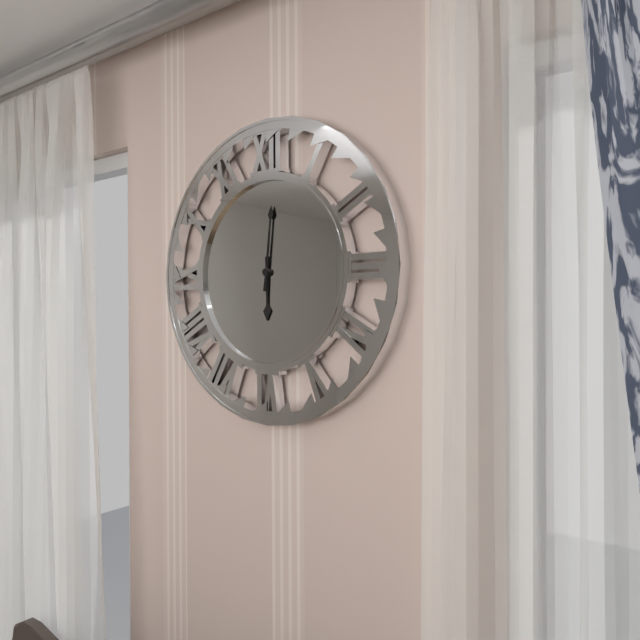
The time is 6:01
